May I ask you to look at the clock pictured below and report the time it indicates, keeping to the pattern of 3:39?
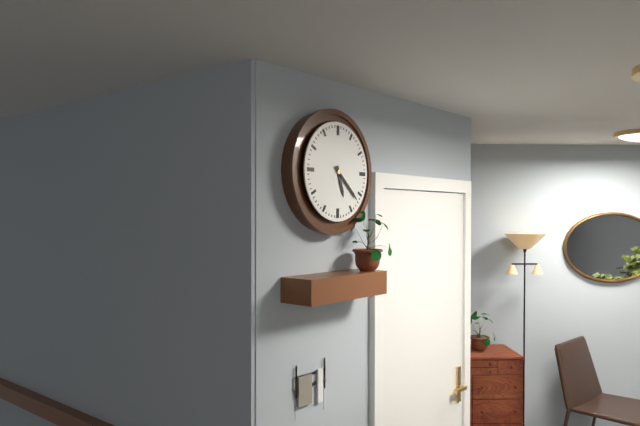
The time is 5:22
